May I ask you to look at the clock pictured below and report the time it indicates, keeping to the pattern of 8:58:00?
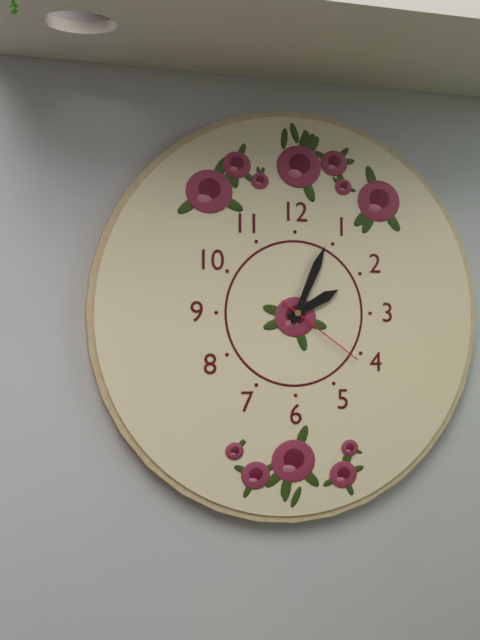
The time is 2:04:21
